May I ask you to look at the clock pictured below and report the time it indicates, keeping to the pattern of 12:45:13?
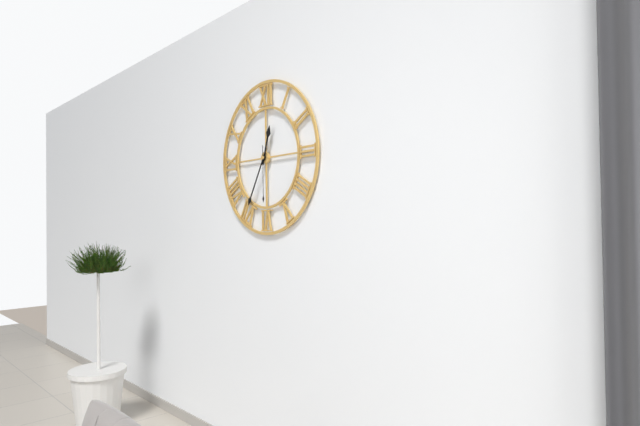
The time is 12:35:30
